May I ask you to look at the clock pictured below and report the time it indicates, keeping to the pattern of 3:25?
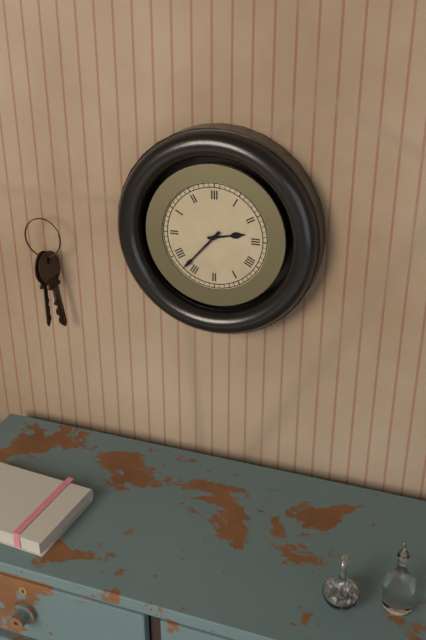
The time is 2:37
